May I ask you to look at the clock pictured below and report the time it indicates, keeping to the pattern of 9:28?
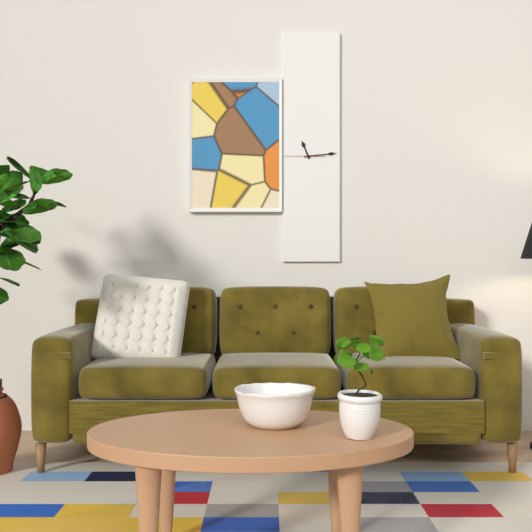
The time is 11:14
